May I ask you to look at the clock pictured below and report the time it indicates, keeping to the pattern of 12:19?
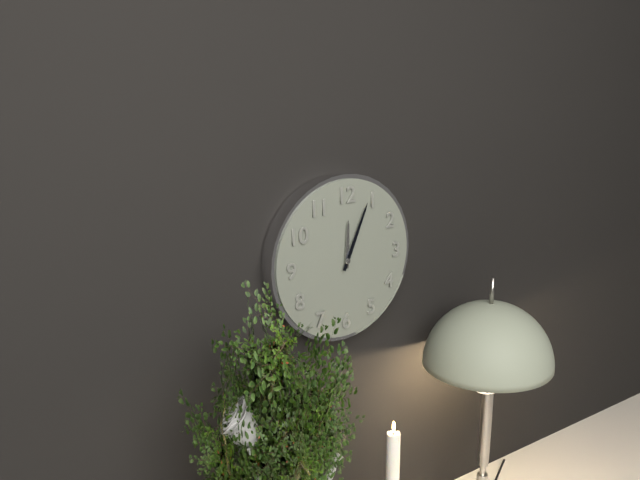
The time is 12:04
